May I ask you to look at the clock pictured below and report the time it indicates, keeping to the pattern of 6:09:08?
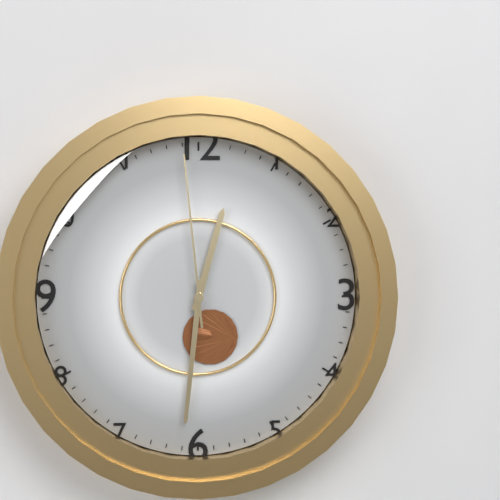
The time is 12:31:59
